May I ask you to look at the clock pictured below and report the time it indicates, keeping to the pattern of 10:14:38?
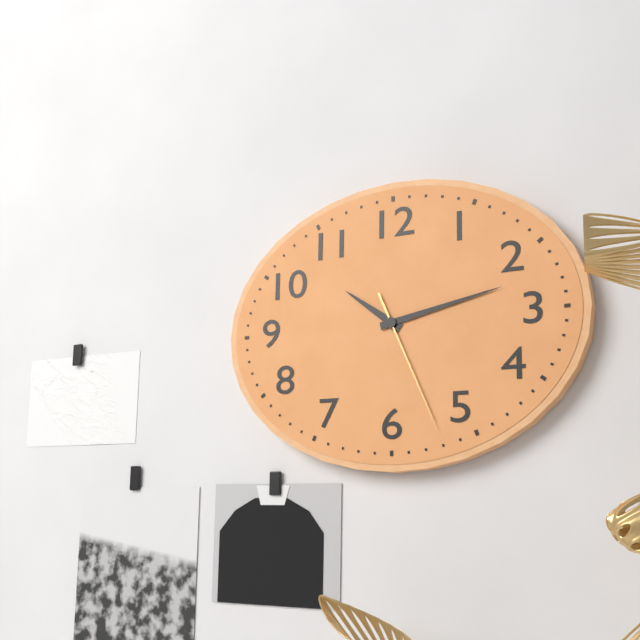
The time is 10:13:26
